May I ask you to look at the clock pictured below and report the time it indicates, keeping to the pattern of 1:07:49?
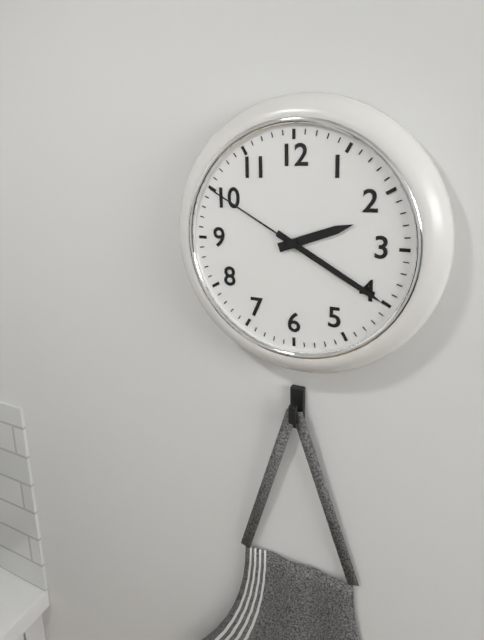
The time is 2:20:50
